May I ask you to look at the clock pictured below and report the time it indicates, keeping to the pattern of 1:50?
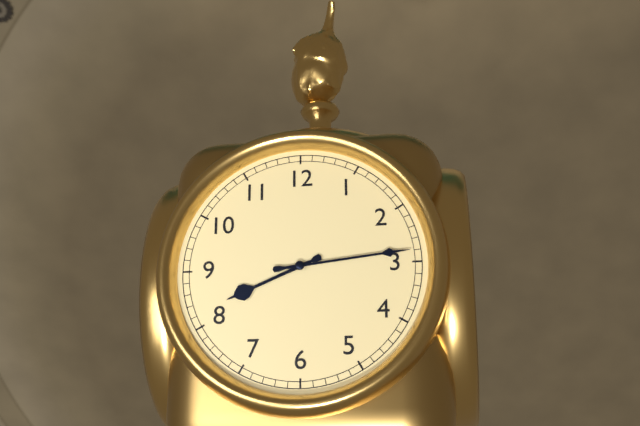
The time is 8:14
